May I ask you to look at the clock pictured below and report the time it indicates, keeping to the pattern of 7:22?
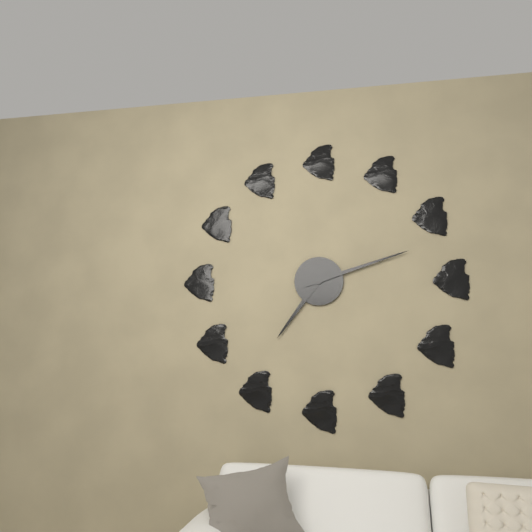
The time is 7:12
